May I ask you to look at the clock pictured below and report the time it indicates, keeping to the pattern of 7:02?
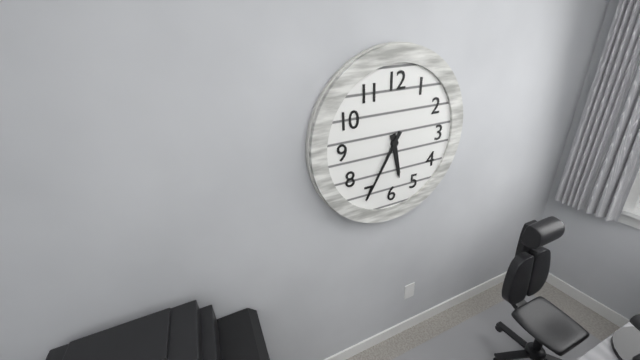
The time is 5:35
